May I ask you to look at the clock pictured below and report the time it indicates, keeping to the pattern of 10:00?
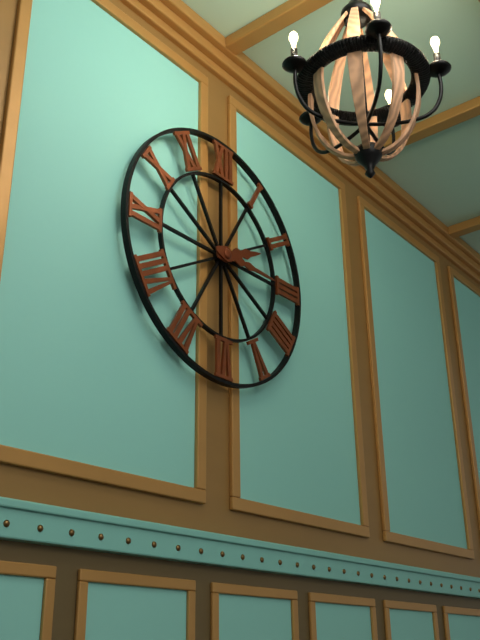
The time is 2:15
